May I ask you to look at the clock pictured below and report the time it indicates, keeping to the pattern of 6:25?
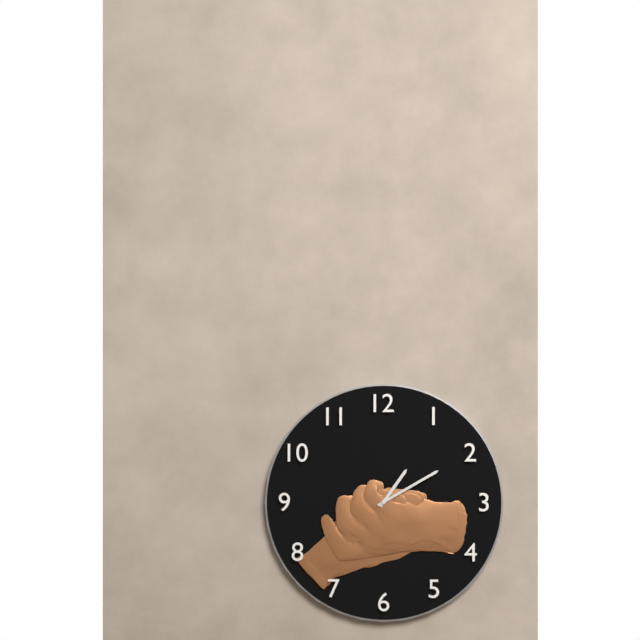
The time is 1:10
